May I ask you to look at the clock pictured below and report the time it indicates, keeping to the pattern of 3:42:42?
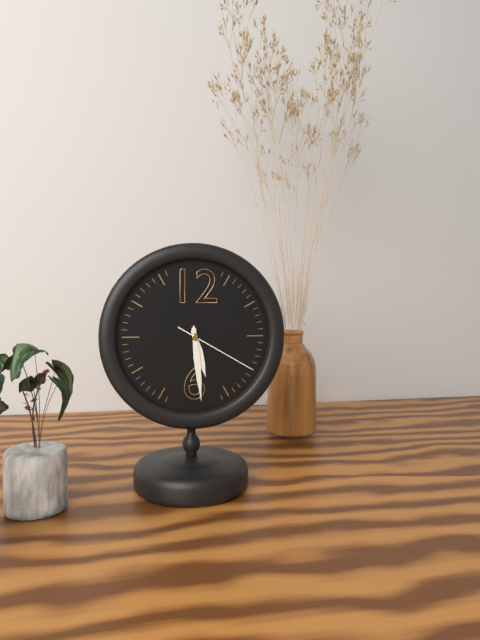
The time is 5:29:20
